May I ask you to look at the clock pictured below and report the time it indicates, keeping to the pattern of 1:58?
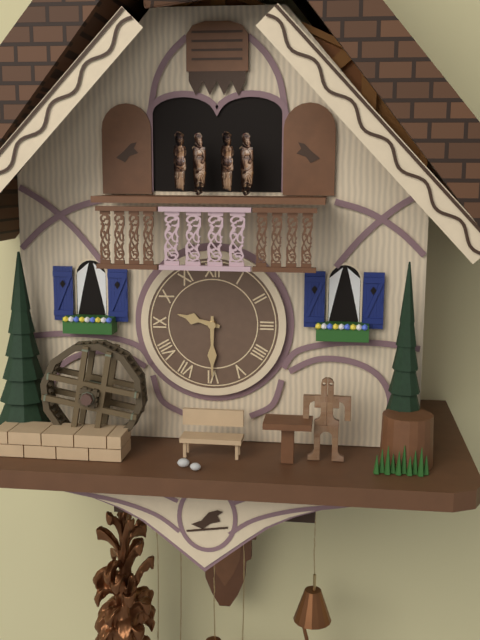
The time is 9:30
